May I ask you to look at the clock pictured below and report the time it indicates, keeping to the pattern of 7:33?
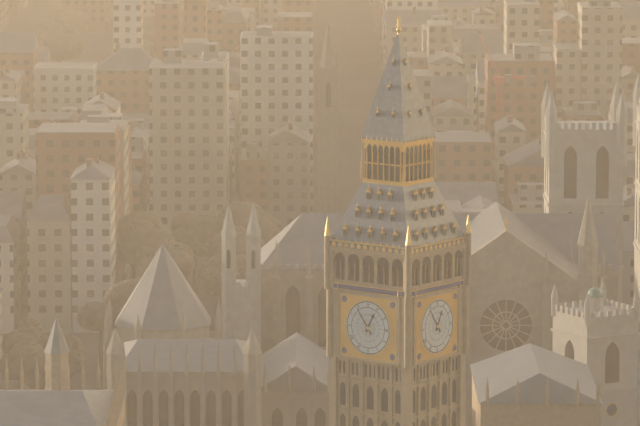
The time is 12:54
